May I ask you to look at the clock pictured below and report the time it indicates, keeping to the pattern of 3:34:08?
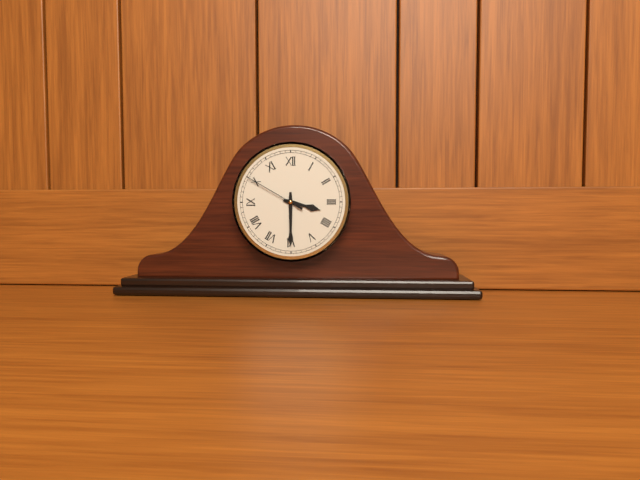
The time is 3:30:50
